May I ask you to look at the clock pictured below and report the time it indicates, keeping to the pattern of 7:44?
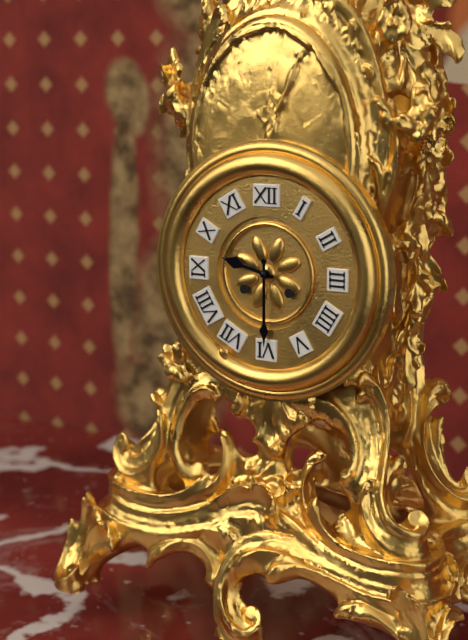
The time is 9:30
